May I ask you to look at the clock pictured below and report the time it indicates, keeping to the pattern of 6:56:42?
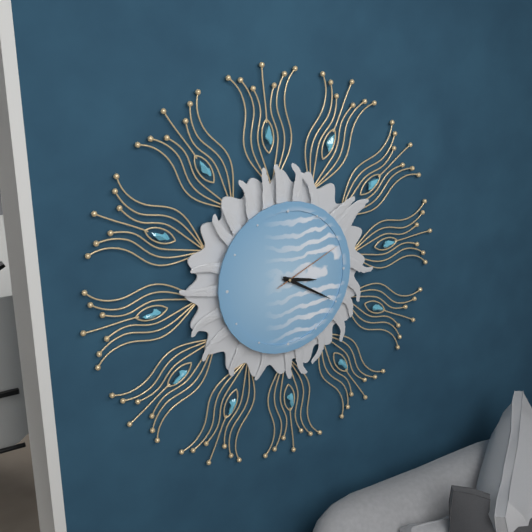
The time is 3:20:11
